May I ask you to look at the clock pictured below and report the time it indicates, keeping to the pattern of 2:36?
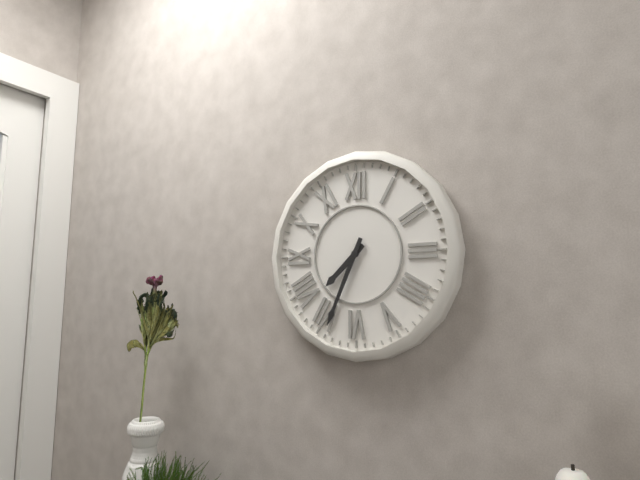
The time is 7:34
